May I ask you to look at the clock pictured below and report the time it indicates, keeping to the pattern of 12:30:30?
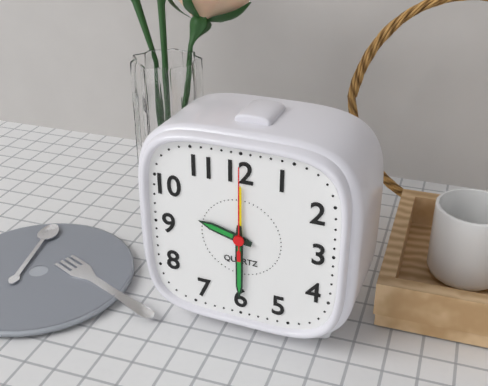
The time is 9:30:00
